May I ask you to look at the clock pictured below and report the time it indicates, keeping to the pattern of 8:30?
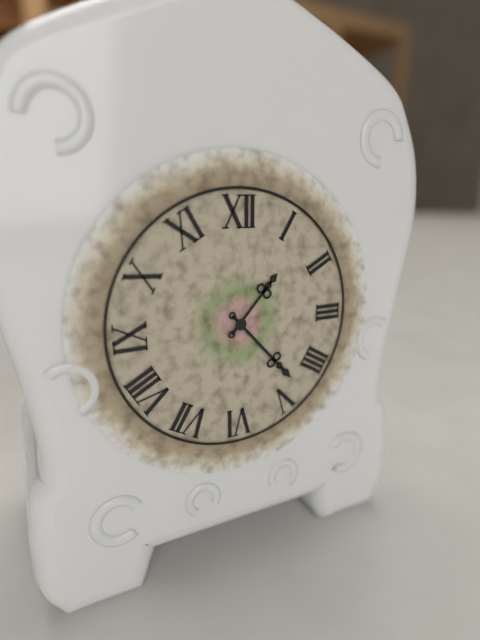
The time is 1:23
